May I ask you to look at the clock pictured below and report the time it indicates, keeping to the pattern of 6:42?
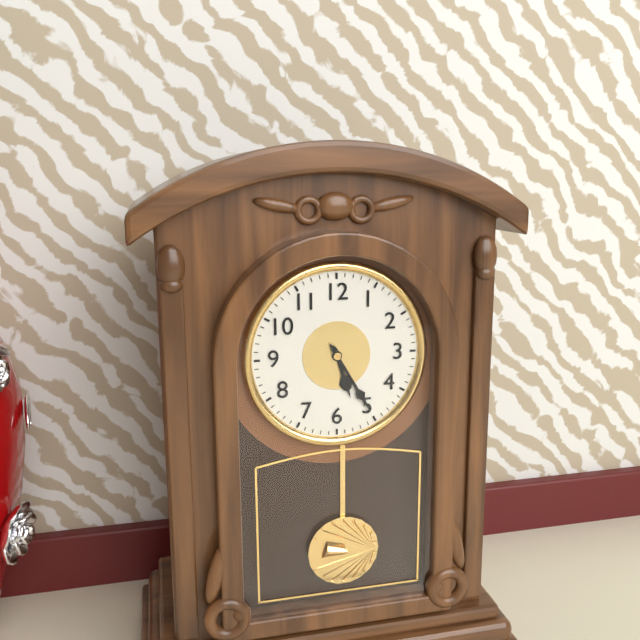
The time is 5:25
